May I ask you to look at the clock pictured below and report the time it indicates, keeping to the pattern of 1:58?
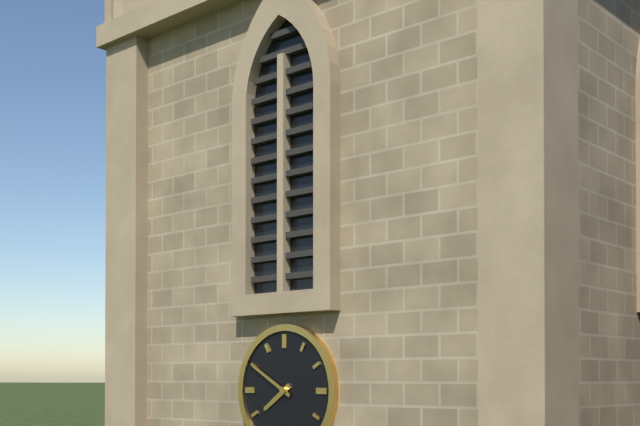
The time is 7:50
